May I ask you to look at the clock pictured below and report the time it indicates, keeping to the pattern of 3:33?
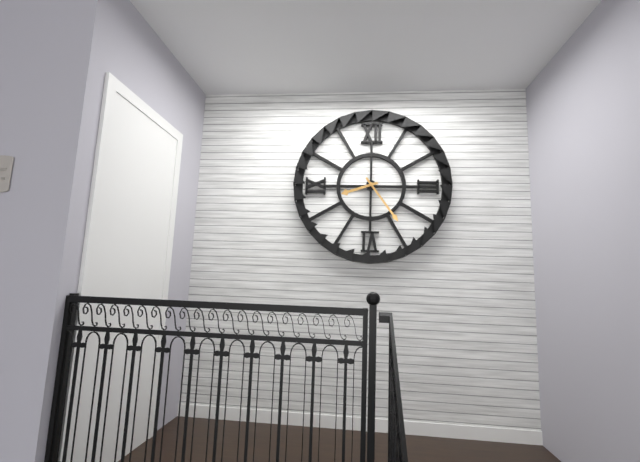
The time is 8:24
